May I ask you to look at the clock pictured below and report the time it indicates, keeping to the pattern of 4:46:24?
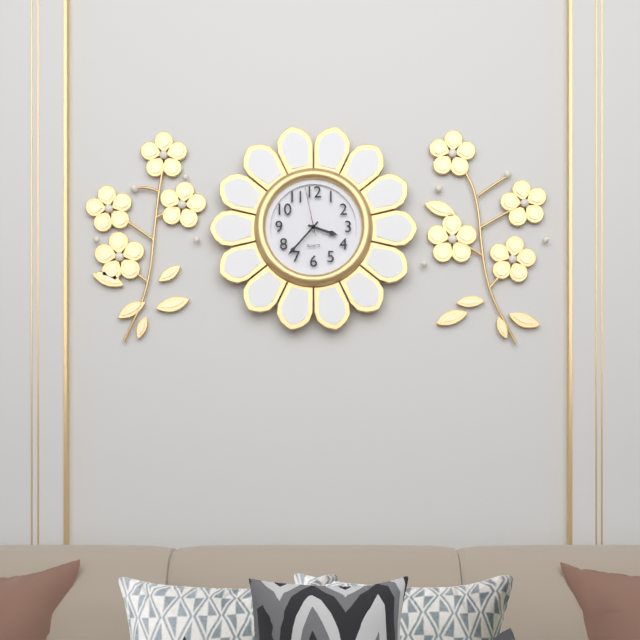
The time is 3:37:58
